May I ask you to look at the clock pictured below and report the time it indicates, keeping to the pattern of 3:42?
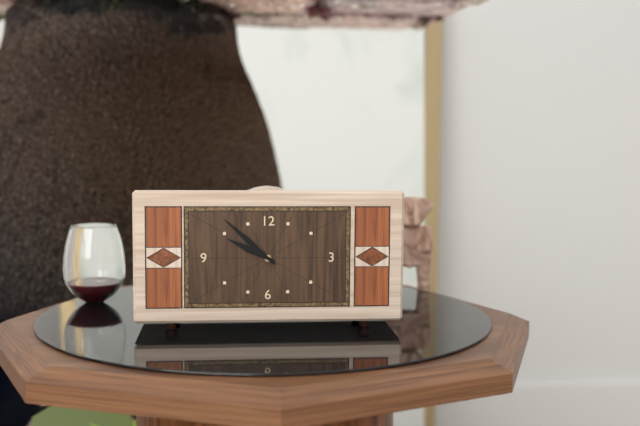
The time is 9:52
